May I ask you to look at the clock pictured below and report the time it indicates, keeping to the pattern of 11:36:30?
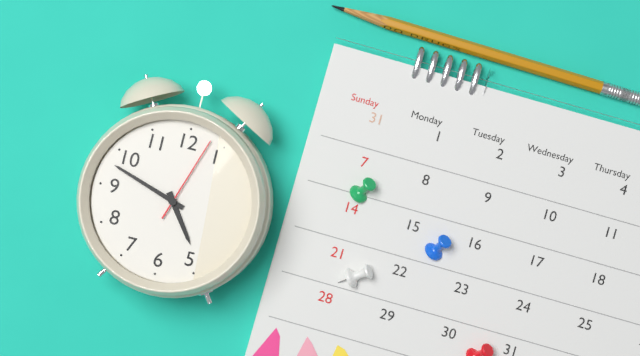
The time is 4:48:03
